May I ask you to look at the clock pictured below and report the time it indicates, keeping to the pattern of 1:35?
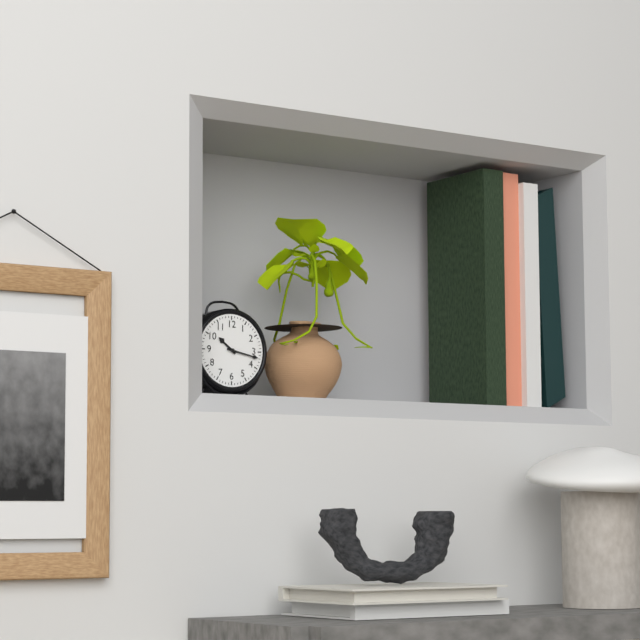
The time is 10:17
